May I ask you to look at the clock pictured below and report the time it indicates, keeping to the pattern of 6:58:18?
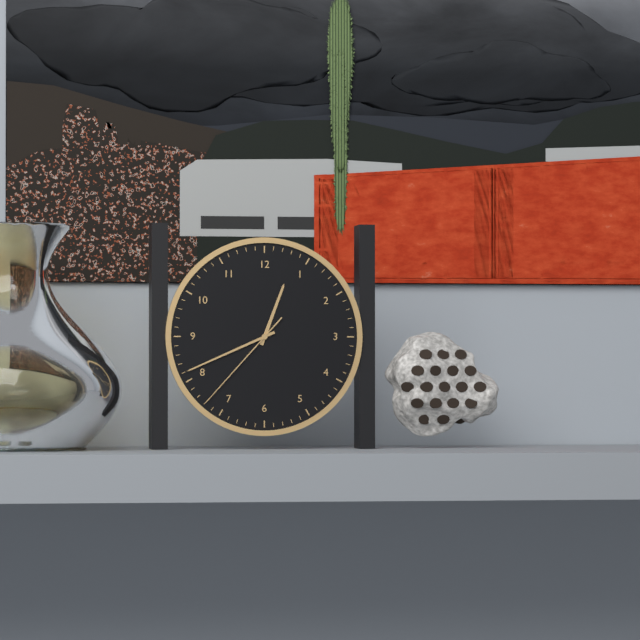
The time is 12:41:37
